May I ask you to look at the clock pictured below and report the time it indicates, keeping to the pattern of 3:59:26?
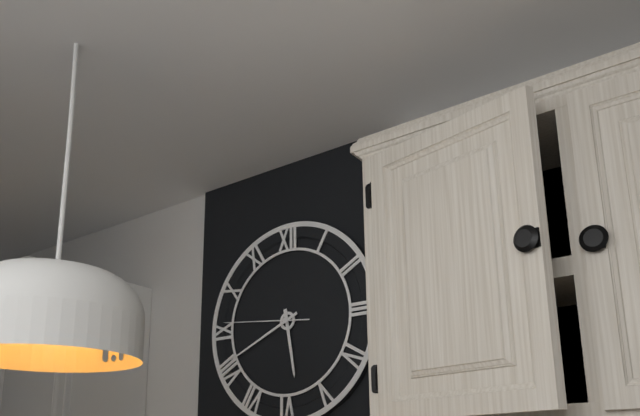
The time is 5:41:46
